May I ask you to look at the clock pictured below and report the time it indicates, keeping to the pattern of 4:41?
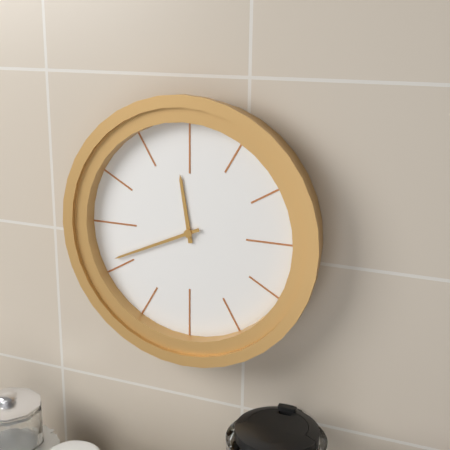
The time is 11:41
